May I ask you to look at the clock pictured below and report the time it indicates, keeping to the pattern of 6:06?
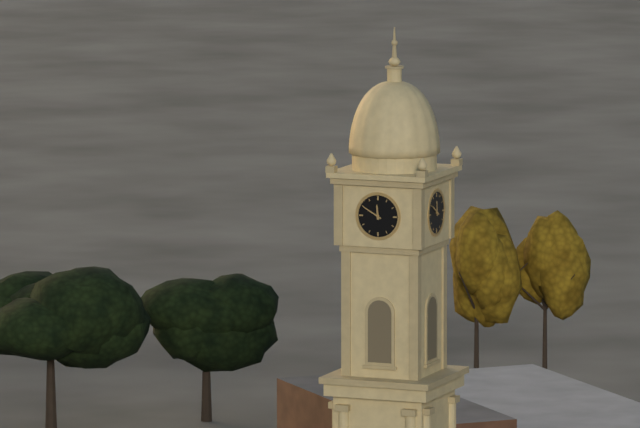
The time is 11:50
